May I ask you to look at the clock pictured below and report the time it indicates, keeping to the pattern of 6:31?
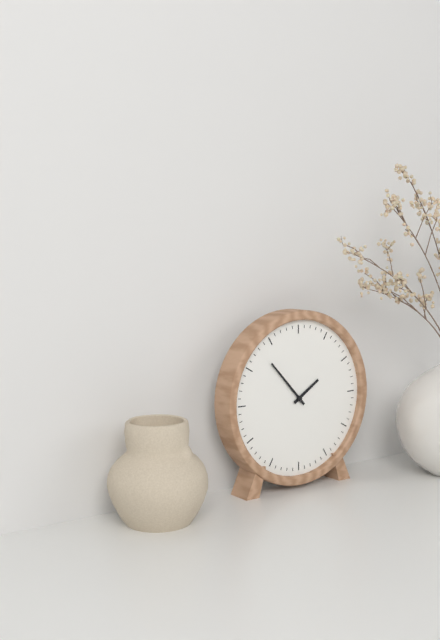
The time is 1:53
